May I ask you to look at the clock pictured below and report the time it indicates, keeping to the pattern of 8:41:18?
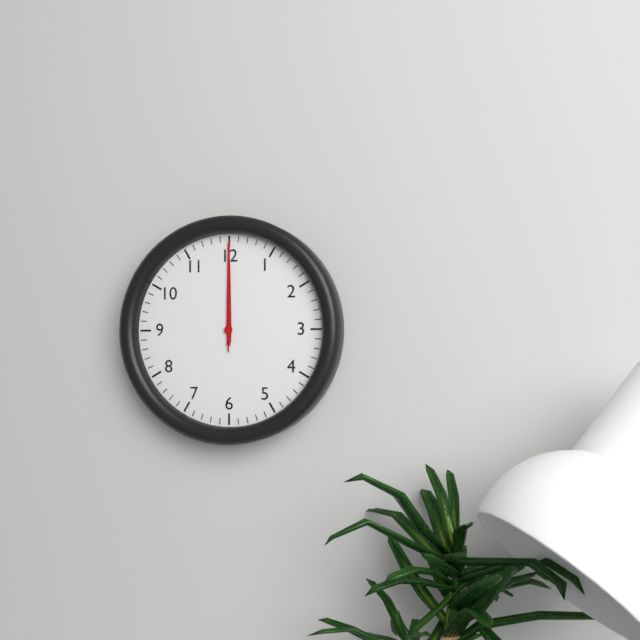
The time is 12:00:00
